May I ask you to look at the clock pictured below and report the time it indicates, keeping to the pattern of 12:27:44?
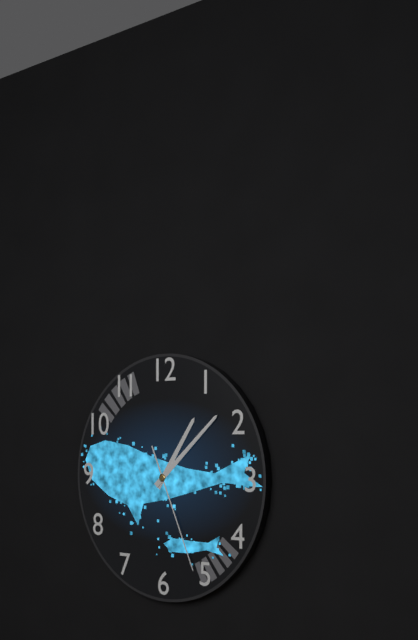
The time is 1:08:26
